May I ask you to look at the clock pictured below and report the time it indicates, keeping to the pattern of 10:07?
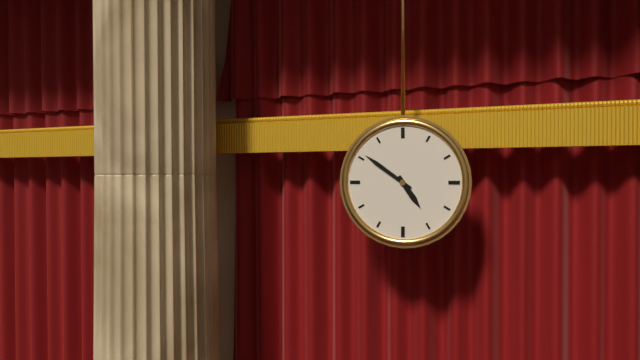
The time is 4:51
